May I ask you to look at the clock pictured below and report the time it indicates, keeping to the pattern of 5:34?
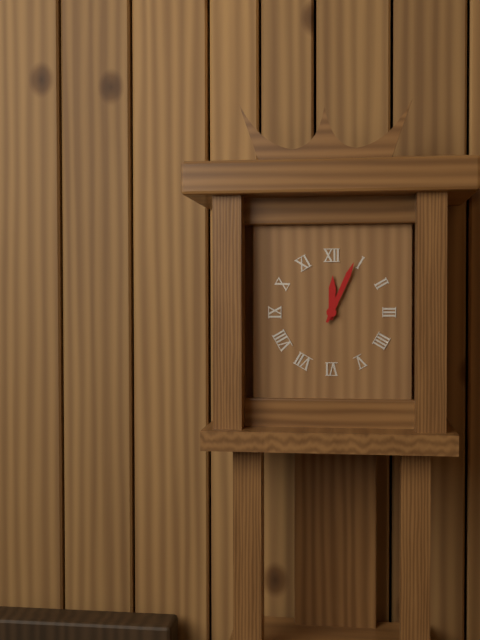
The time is 12:04
